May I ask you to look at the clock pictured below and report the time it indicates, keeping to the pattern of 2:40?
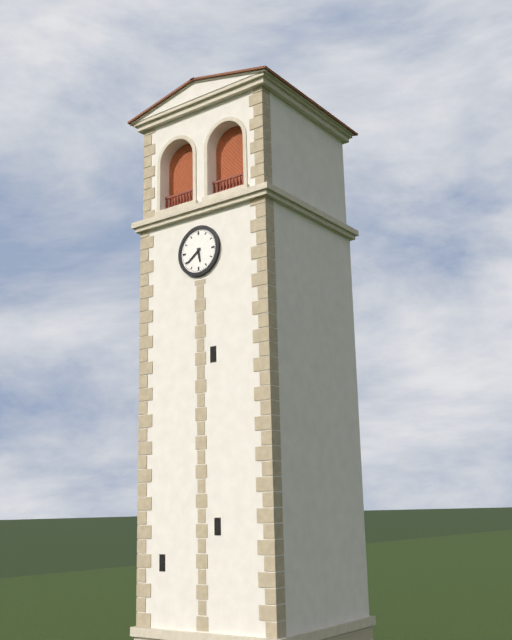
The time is 5:39
